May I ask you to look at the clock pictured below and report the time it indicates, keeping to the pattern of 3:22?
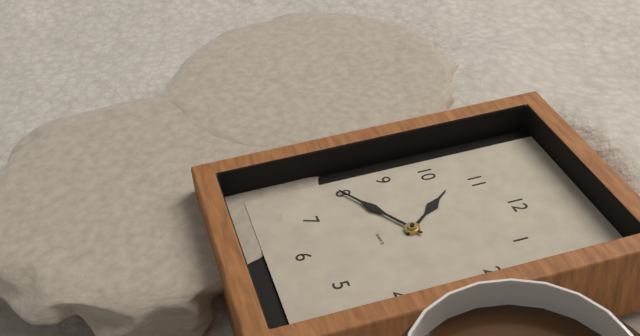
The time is 10:40
